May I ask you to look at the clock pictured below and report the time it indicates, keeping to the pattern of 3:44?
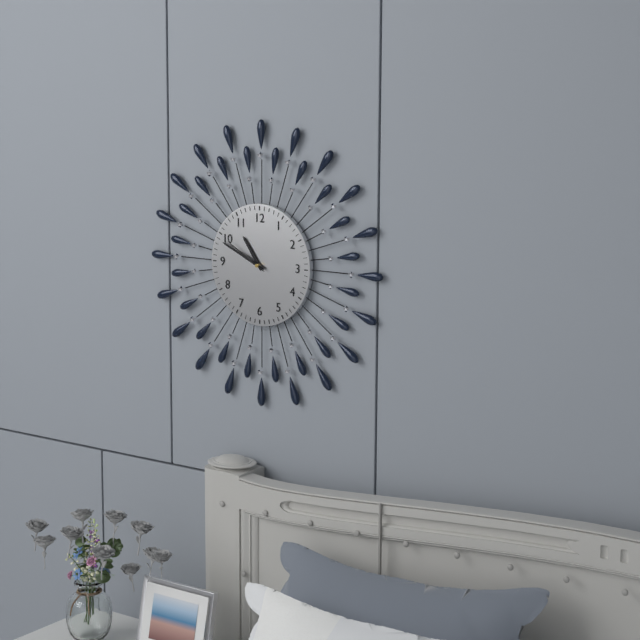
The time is 10:49
